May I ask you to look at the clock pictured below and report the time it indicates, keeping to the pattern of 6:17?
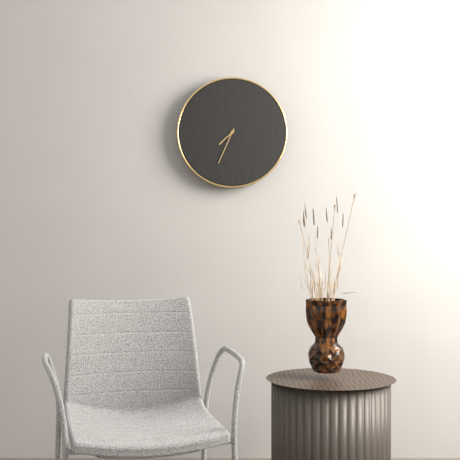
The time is 7:34
